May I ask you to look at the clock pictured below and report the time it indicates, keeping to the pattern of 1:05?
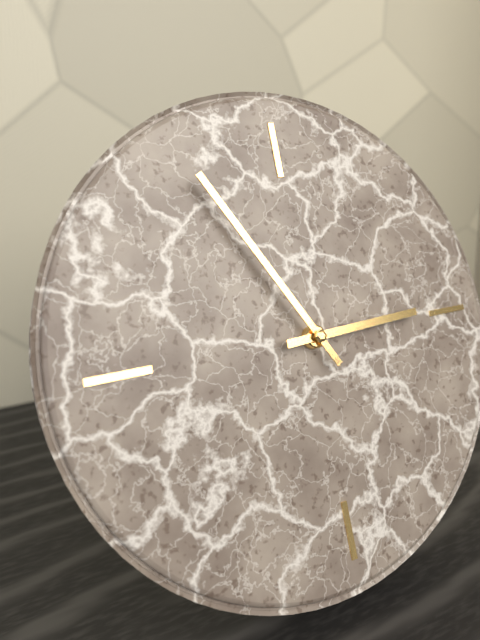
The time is 2:55
